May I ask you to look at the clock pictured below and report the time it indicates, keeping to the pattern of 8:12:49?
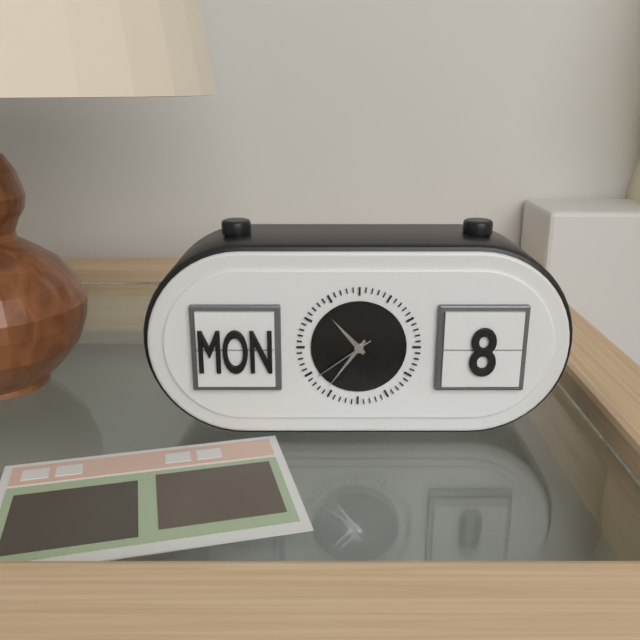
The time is 10:36:39
